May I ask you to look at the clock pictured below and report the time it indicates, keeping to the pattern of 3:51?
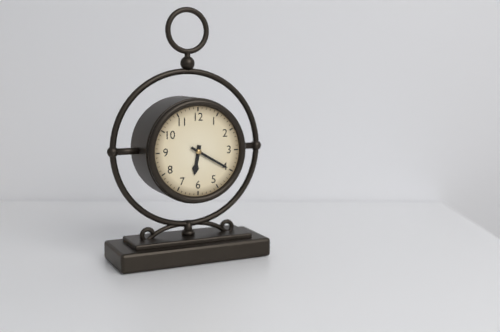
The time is 6:20
